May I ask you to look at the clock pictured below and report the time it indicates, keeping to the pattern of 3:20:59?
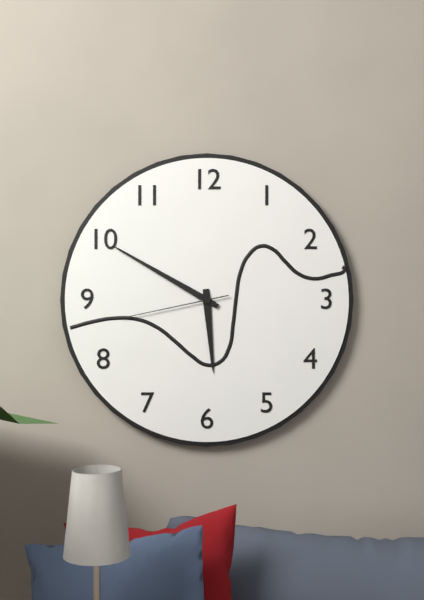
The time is 5:50:43
